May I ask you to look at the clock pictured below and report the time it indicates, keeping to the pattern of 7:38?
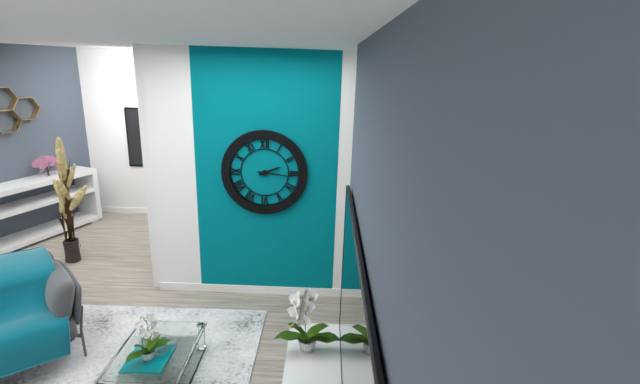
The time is 2:16
